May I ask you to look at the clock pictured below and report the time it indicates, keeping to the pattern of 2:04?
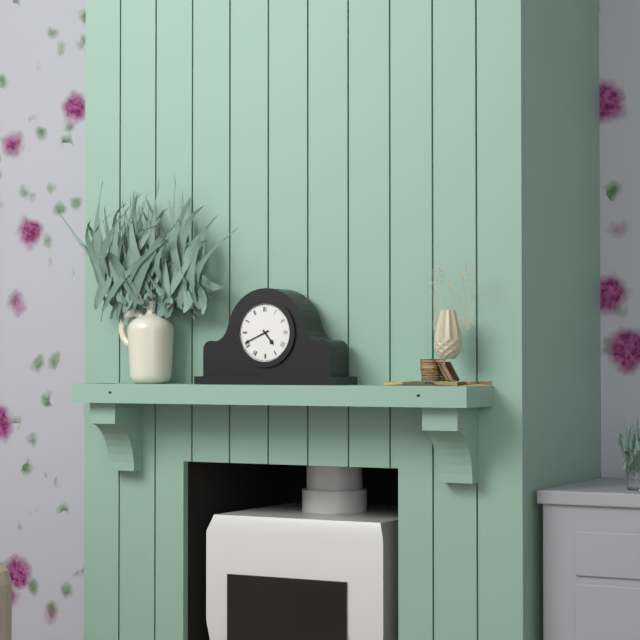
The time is 4:41
